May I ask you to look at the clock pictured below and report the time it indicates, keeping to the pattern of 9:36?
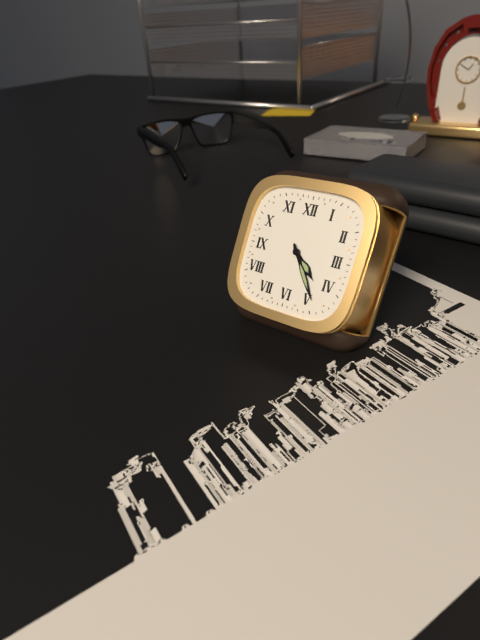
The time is 4:24
